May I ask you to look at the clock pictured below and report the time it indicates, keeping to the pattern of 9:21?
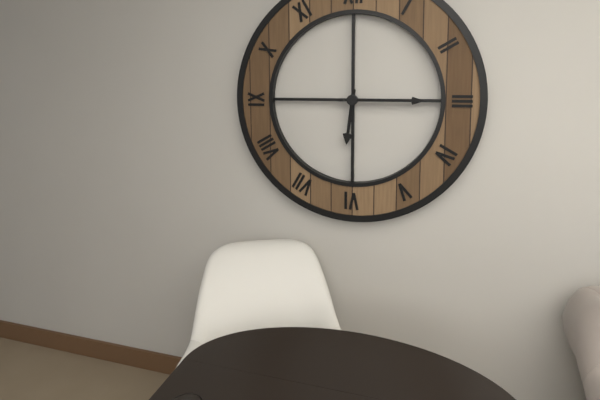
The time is 6:15
